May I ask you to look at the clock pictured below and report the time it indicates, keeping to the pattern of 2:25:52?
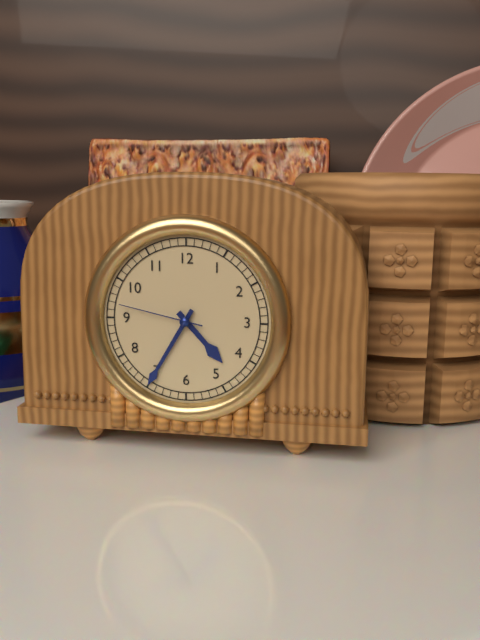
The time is 4:35:47
